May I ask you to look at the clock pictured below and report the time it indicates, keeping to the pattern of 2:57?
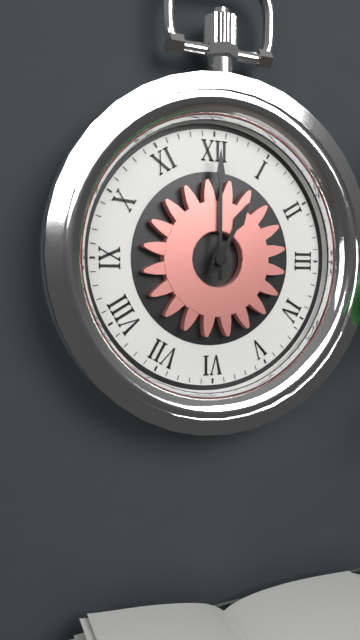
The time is 1:00
